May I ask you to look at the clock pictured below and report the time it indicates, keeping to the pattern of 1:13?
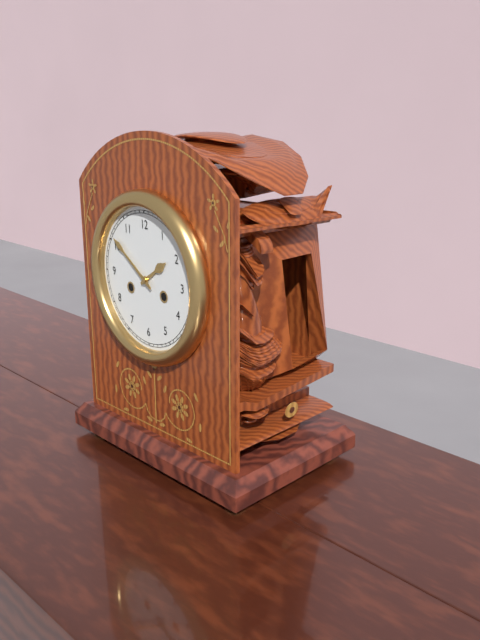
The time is 1:51
